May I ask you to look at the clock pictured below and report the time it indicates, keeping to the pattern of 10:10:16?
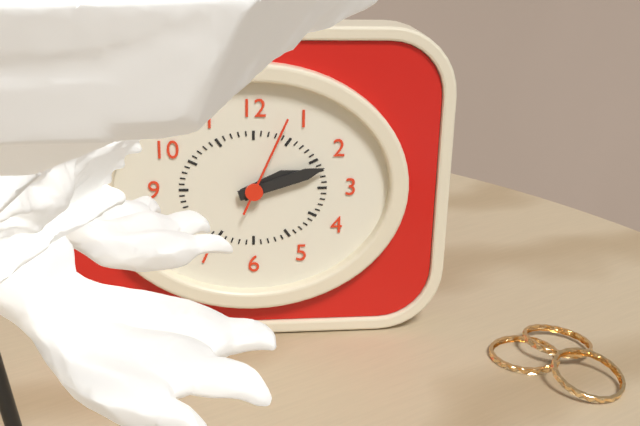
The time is 2:12:04
